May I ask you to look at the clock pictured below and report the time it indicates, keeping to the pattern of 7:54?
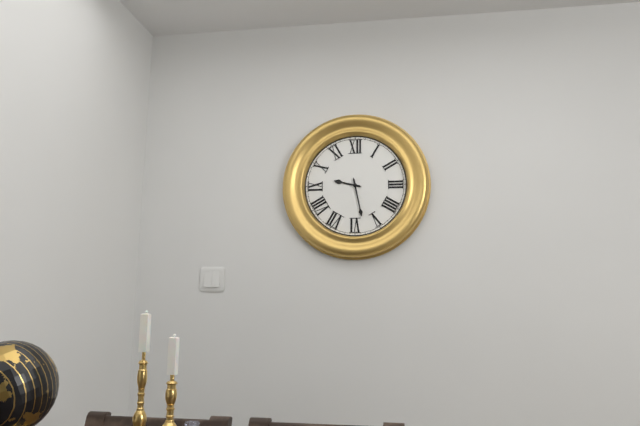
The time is 9:28
